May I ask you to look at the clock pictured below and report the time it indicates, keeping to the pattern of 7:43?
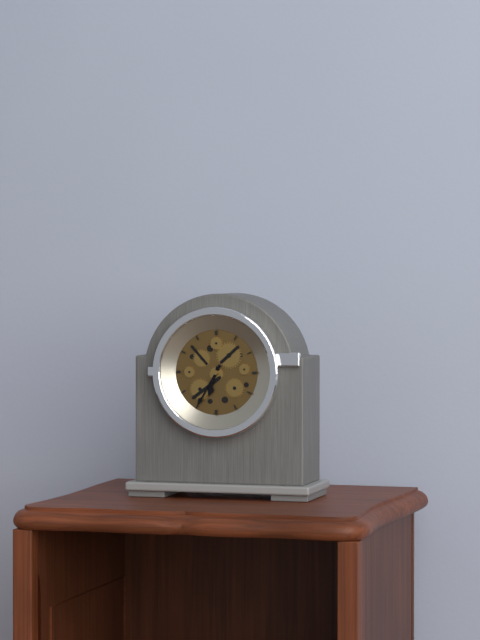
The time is 6:35
